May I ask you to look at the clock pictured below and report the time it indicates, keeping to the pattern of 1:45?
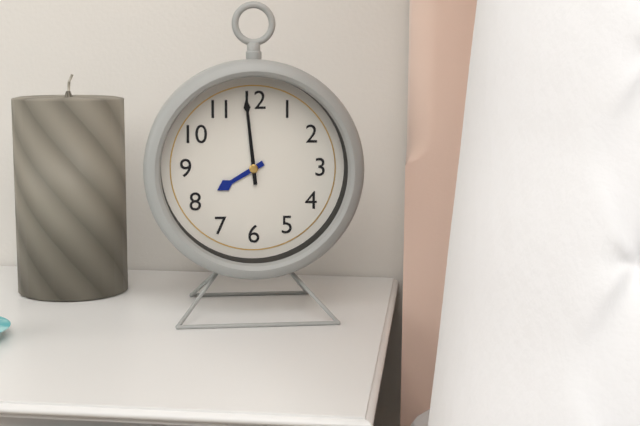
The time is 7:59
